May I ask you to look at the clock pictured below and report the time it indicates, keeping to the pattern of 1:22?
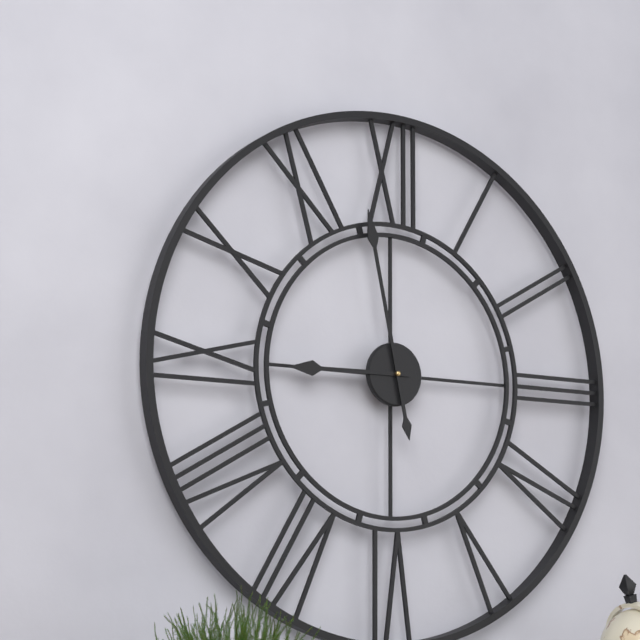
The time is 8:58
